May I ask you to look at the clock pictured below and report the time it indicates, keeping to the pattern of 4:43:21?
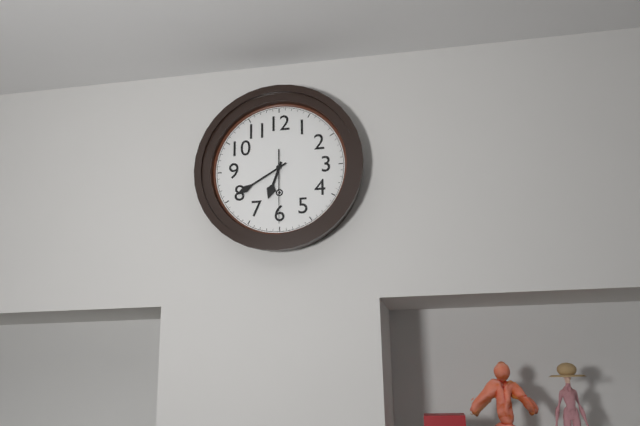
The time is 6:40:30
